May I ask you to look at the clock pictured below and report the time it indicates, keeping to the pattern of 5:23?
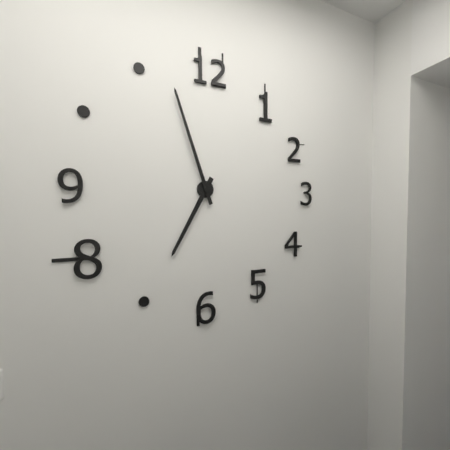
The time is 6:57
